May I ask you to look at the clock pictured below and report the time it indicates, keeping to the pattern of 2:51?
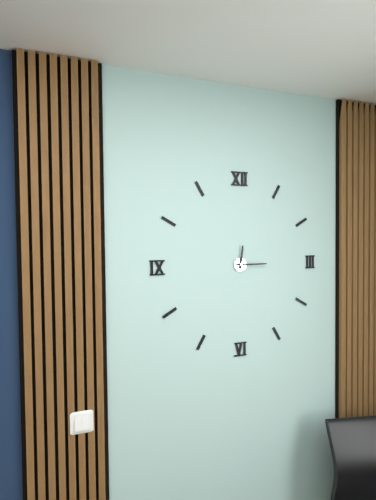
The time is 12:15
